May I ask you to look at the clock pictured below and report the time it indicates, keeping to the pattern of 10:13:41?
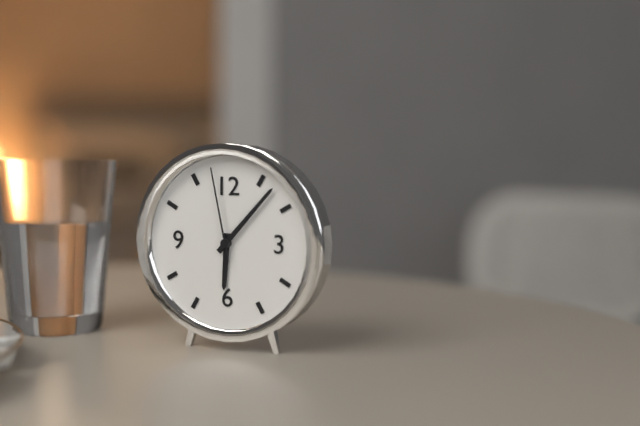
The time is 6:07:58
